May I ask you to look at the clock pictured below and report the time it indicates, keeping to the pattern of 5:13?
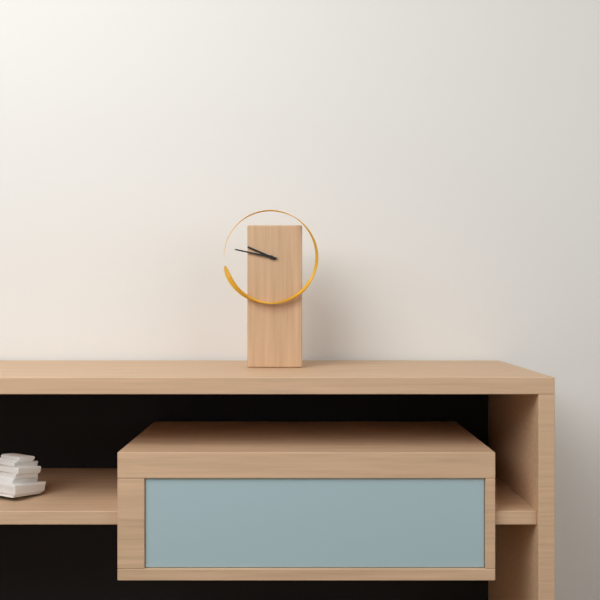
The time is 9:47
